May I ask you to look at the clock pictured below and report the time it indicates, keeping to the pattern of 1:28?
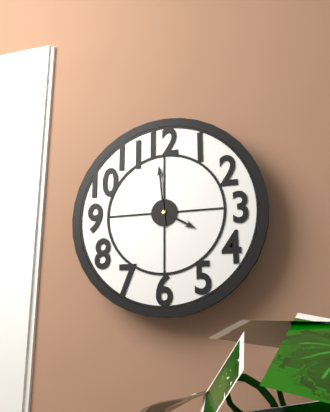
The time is 3:59
